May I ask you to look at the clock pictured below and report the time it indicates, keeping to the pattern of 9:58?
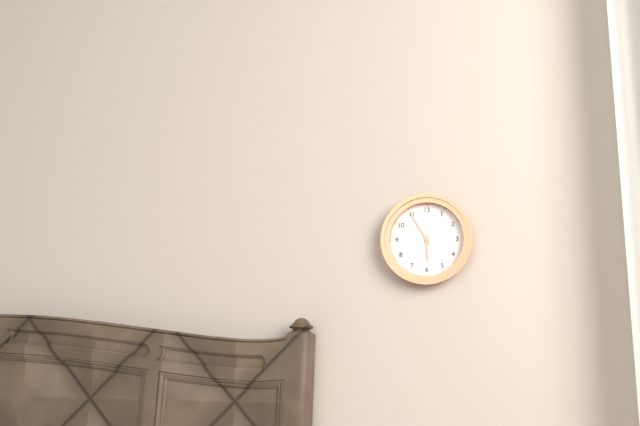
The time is 5:55
